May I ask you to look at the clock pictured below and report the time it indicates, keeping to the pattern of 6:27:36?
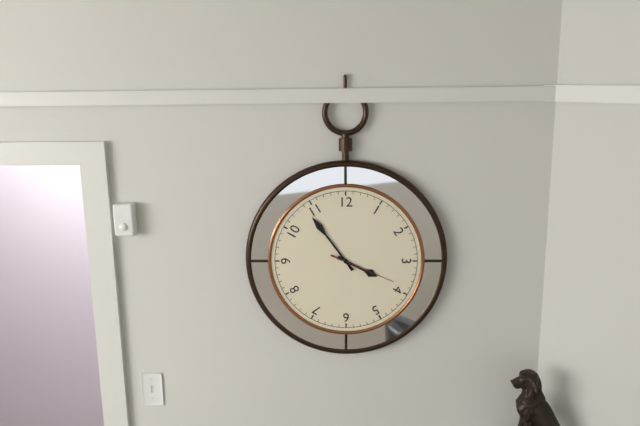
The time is 3:54:19
